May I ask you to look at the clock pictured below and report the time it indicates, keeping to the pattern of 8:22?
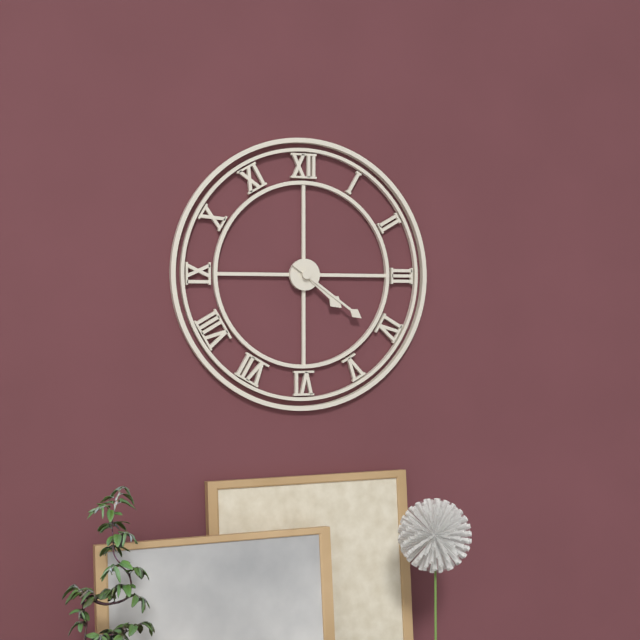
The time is 4:21
